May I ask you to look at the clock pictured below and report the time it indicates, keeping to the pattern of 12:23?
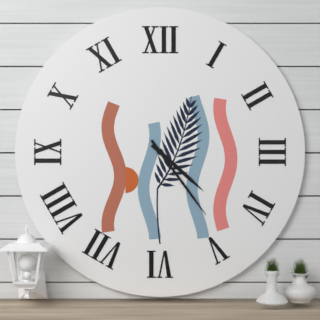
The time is 4:24
